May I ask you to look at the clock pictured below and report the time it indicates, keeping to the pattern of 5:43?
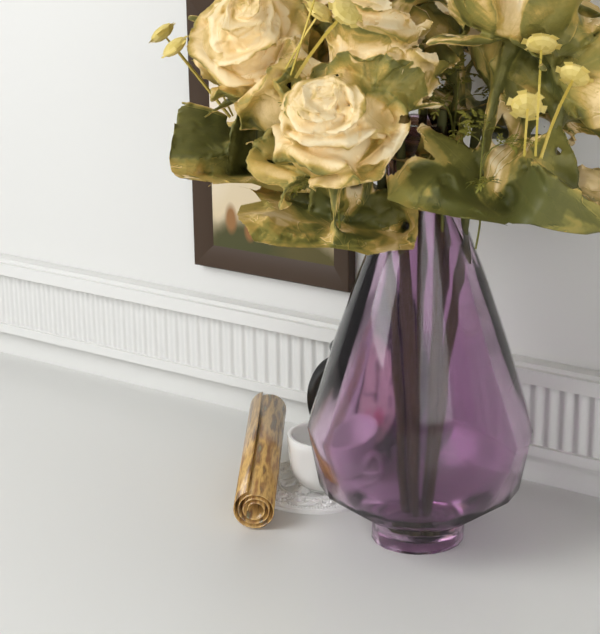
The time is 11:45
